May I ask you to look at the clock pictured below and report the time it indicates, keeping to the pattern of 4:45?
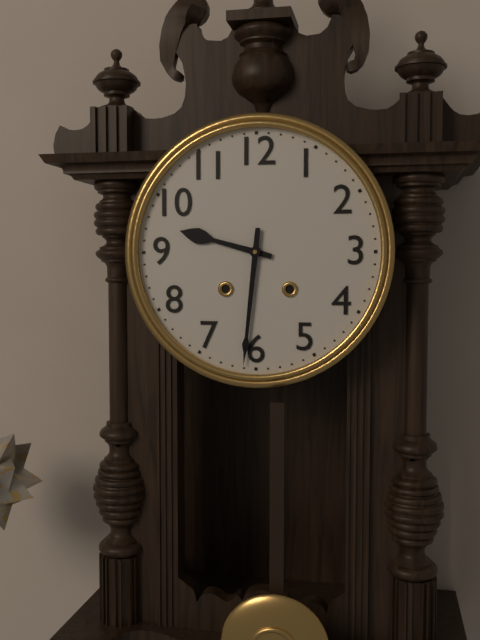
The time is 9:31
